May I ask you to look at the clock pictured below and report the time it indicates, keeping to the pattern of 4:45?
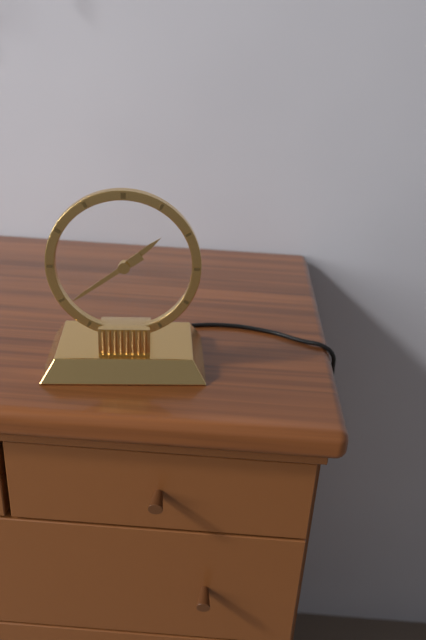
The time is 1:39
